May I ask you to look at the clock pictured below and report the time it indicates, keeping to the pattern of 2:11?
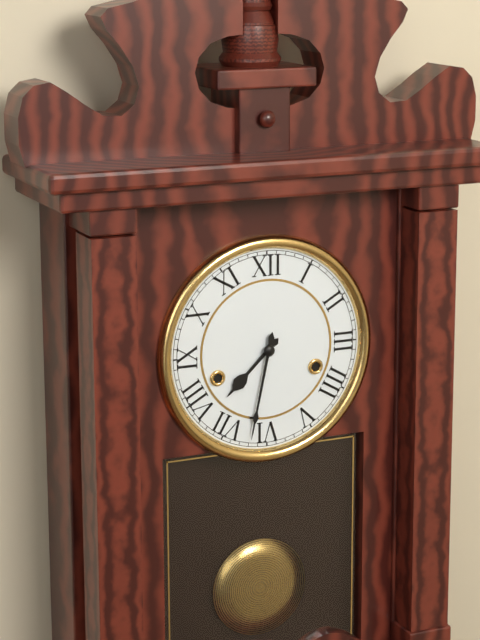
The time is 7:32
